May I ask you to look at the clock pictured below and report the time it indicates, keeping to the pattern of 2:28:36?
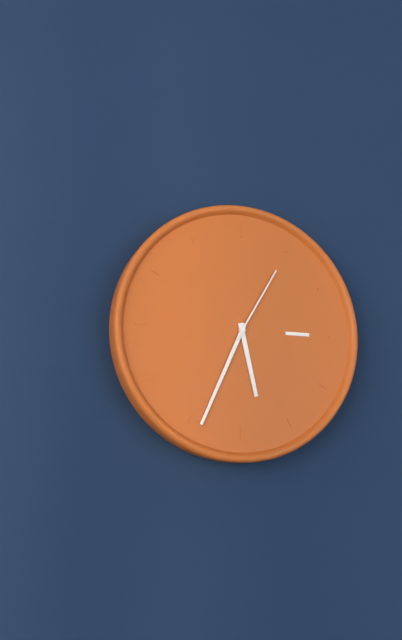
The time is 5:34:05
